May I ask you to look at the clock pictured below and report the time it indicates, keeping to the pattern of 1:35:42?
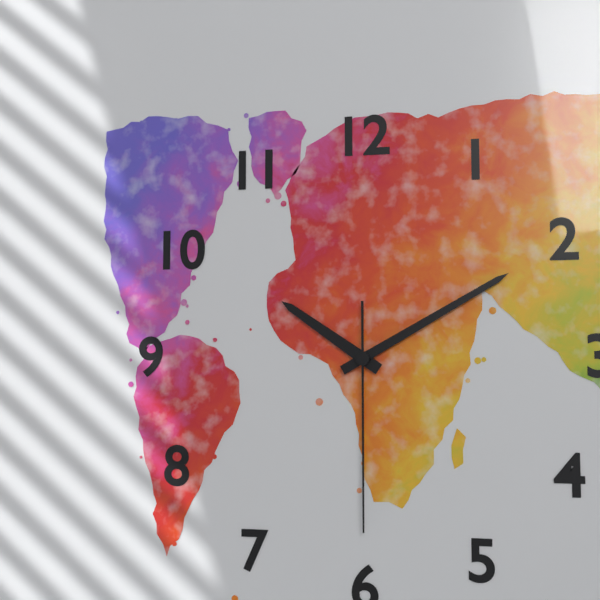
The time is 10:10:30
